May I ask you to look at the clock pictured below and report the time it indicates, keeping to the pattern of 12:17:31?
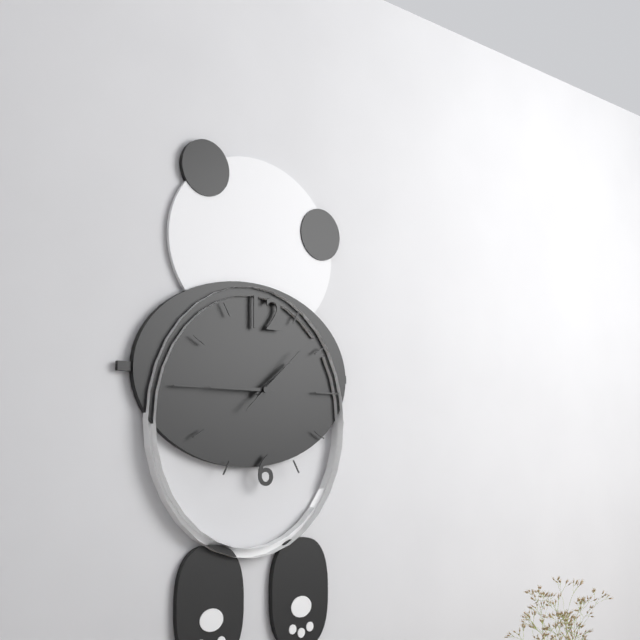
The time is 1:45:08
